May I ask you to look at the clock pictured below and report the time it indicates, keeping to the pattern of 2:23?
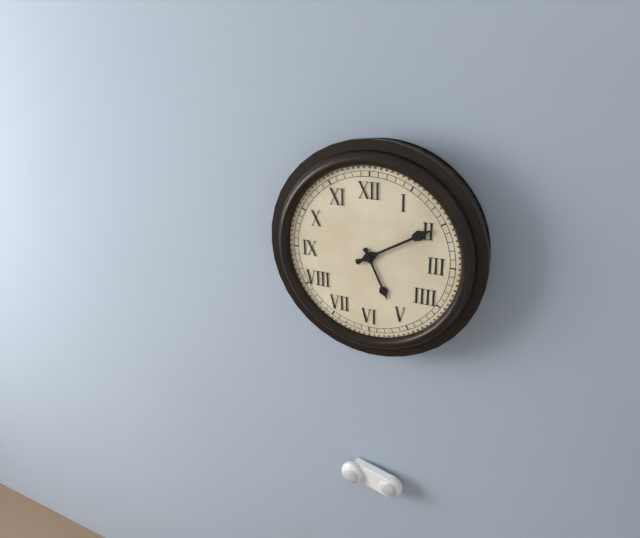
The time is 5:10
